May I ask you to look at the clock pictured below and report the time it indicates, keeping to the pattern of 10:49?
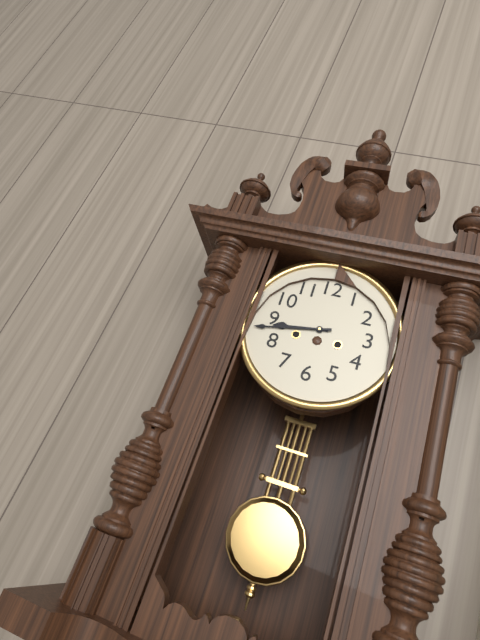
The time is 8:43
